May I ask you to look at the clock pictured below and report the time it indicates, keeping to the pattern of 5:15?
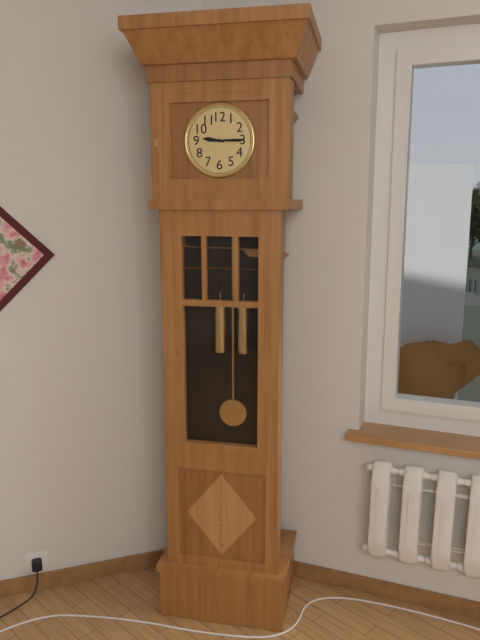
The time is 9:15
